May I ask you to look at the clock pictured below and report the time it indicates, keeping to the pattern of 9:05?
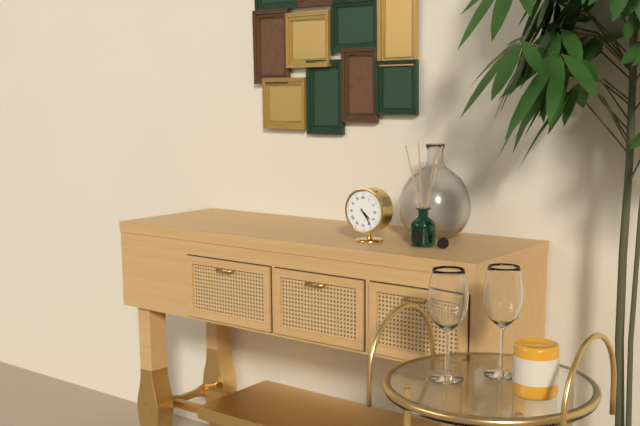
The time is 4:24
